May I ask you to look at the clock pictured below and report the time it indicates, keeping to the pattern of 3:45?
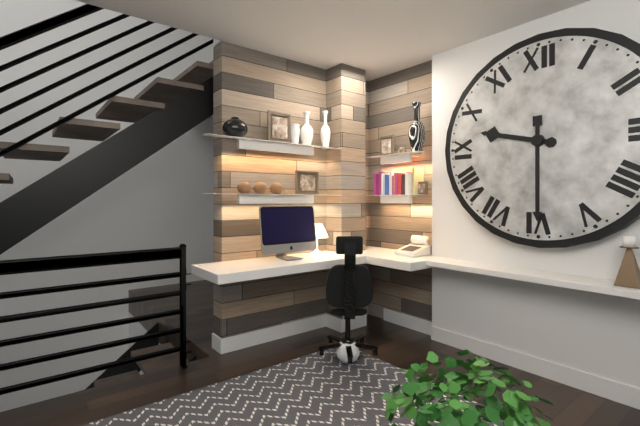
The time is 9:30
